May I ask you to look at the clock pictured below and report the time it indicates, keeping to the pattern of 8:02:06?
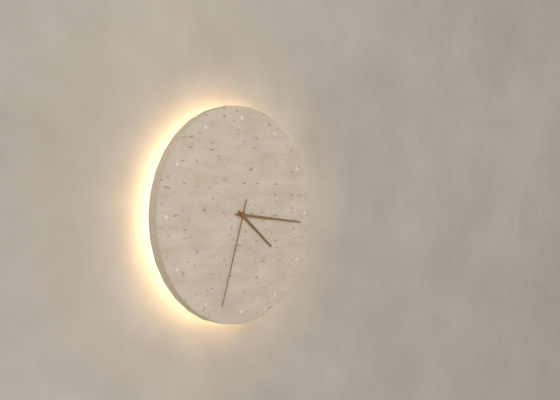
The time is 4:16:33
